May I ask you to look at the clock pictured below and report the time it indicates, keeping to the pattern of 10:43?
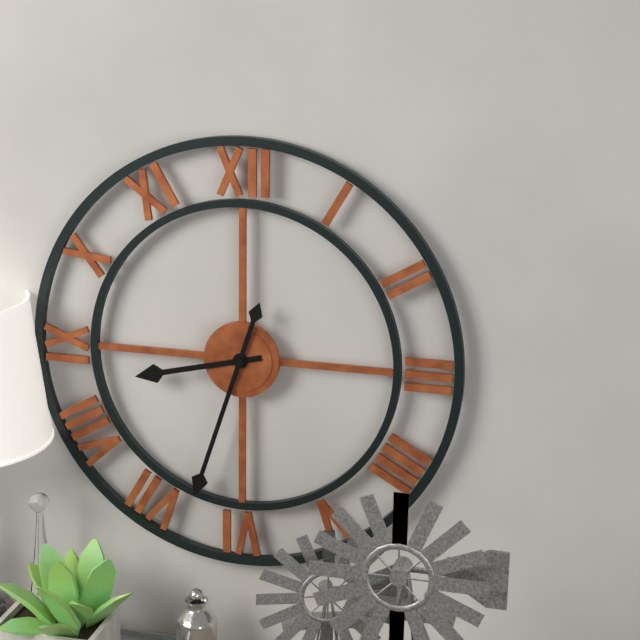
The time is 8:33
